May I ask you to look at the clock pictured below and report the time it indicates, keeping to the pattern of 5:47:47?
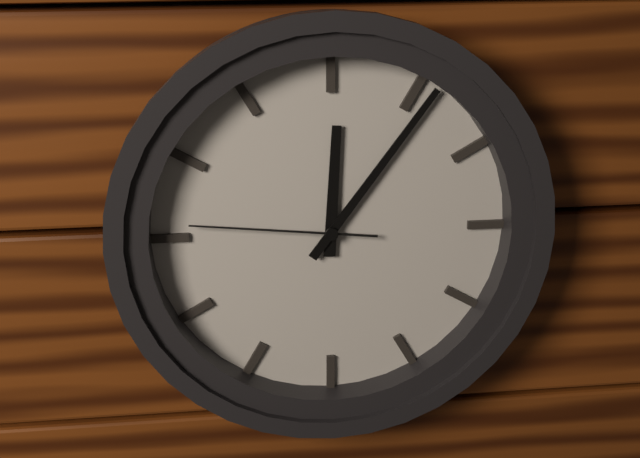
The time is 12:06:46
